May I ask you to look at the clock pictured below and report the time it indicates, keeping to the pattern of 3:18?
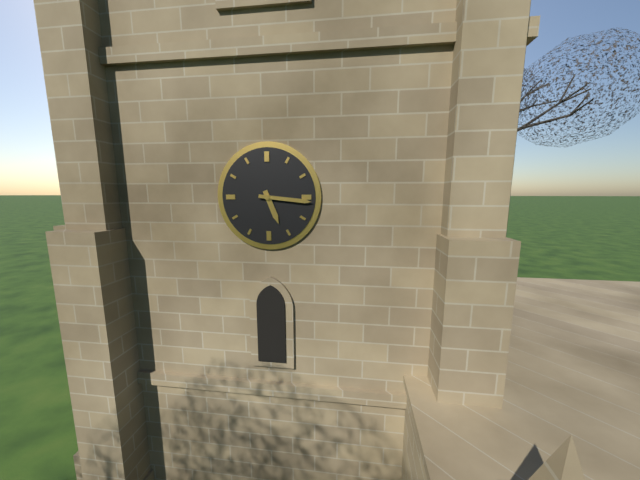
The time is 5:16
